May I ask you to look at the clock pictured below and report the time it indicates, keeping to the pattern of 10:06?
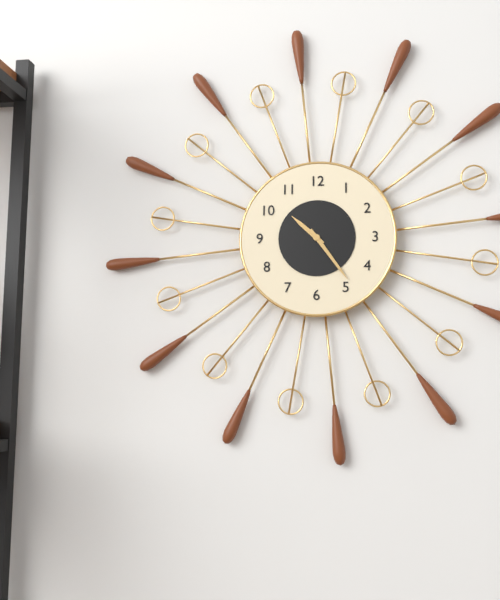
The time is 10:24
